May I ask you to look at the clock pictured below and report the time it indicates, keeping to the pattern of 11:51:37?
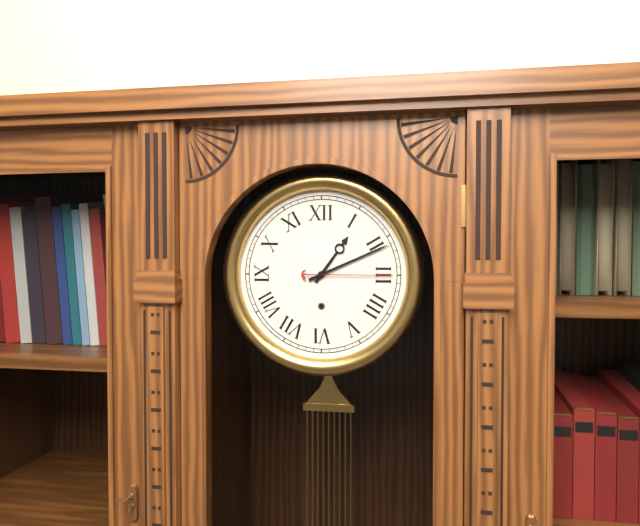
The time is 1:11:15
